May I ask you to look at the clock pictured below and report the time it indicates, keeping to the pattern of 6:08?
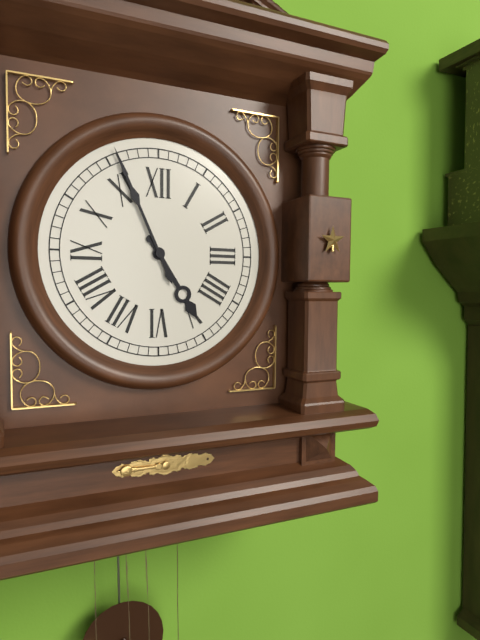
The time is 4:56
